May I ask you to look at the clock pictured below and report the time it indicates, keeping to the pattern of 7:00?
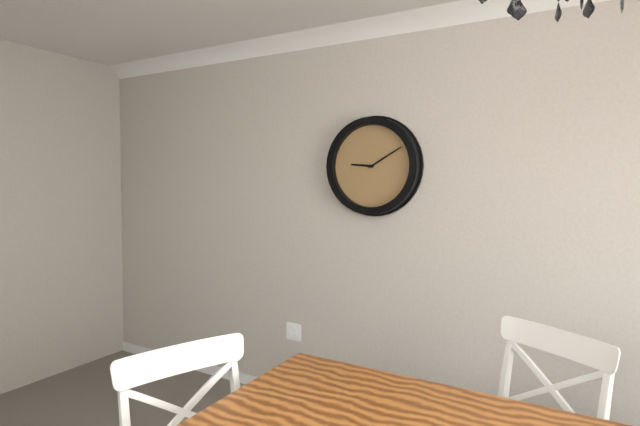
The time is 9:10
